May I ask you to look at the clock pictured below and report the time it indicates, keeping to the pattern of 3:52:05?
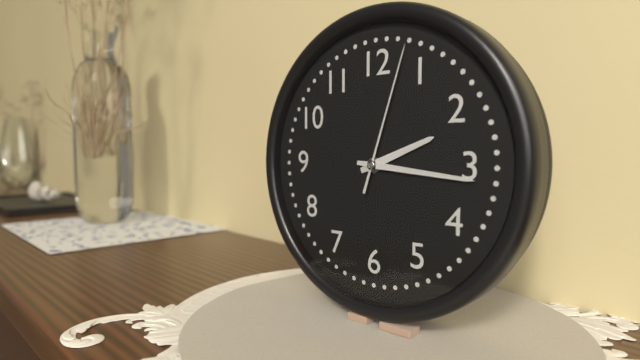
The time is 2:16:03
